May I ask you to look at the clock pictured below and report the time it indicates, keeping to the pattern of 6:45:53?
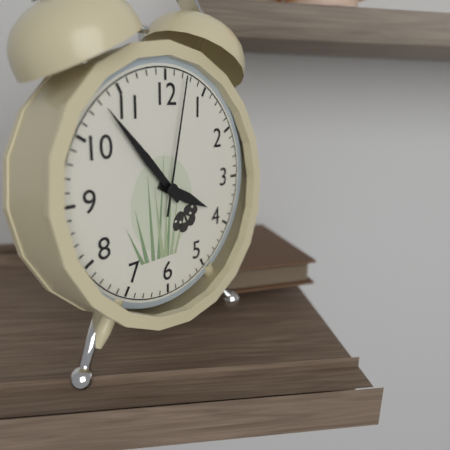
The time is 3:53:02
